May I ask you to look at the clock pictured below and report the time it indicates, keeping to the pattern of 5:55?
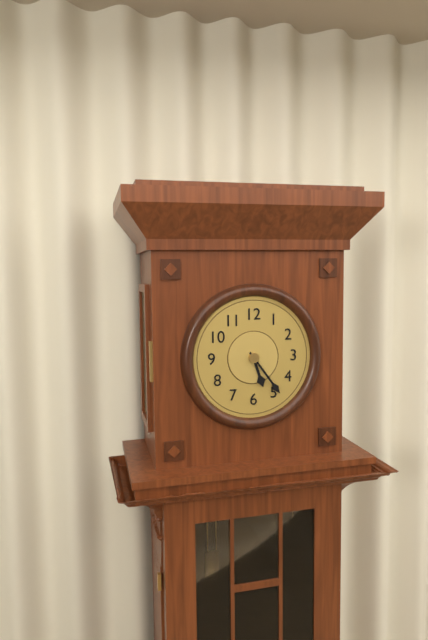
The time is 5:24
